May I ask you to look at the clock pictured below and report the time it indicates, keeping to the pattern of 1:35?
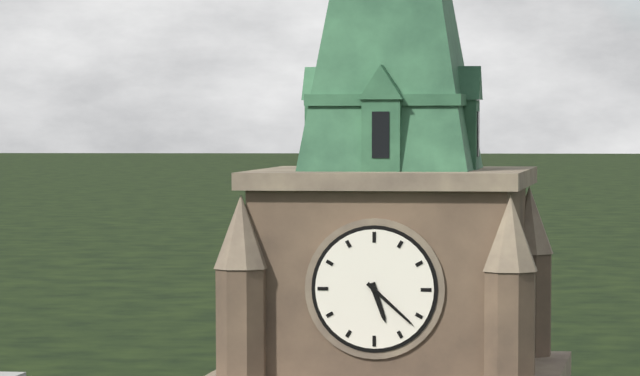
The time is 5:22
